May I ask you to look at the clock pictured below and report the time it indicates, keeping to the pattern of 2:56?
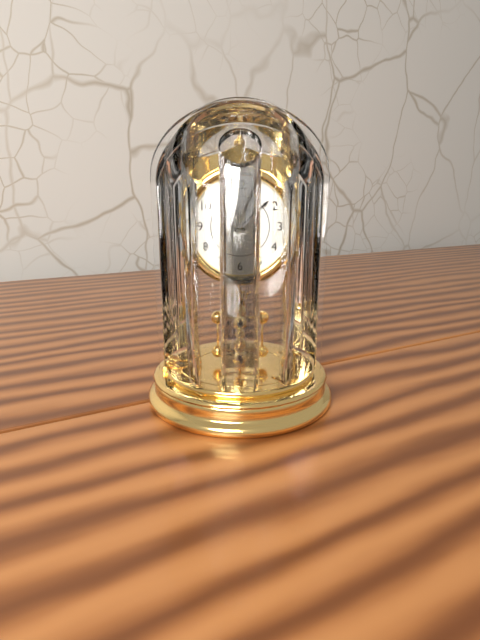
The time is 10:08
